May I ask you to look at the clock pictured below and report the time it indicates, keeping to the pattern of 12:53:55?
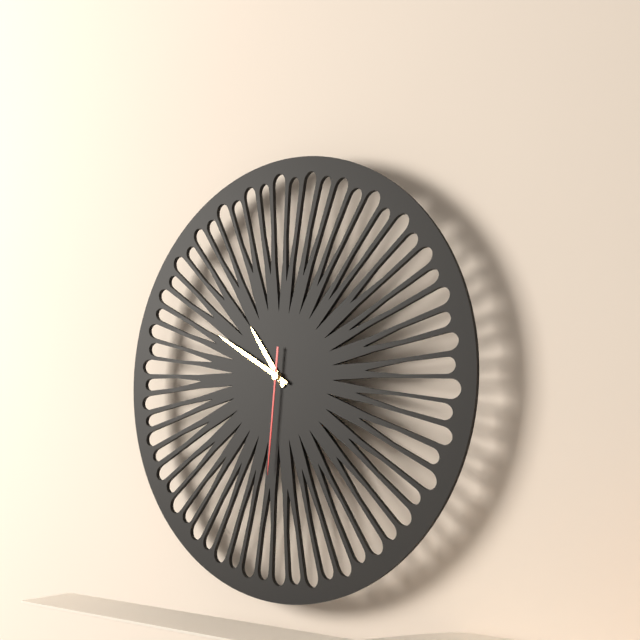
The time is 10:50:31
